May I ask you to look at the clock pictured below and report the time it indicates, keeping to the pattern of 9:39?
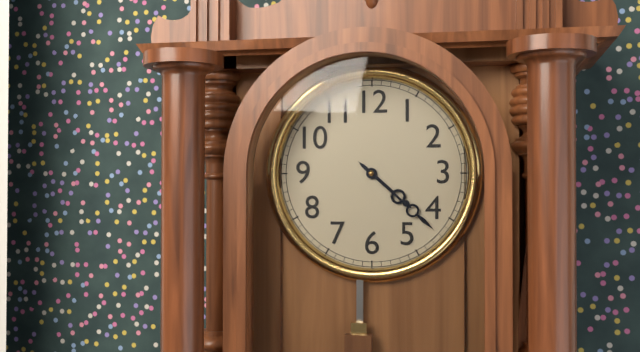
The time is 4:22
